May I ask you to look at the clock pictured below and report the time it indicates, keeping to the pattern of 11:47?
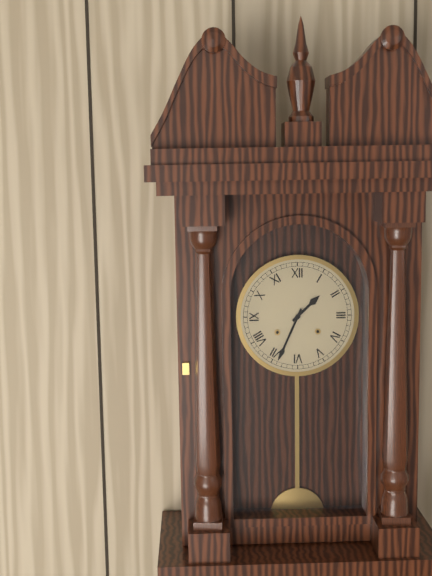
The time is 1:34
